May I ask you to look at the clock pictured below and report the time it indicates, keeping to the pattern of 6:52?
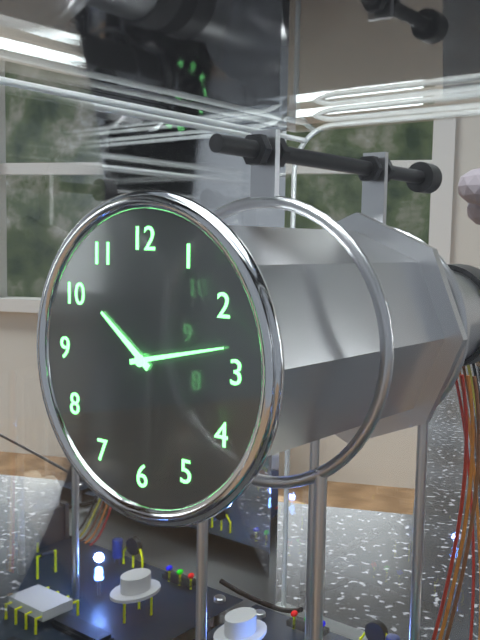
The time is 10:13
